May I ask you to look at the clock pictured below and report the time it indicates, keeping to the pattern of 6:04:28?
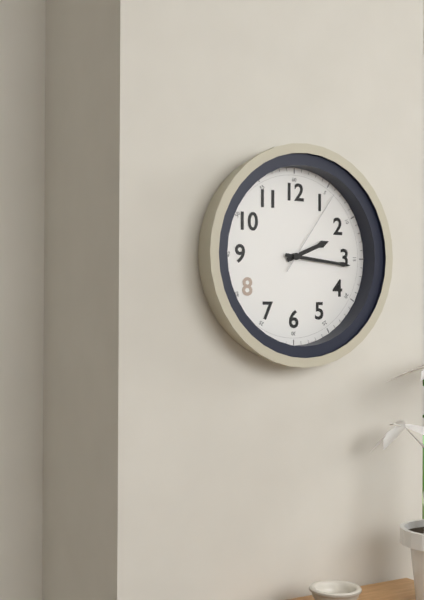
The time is 2:16:06
